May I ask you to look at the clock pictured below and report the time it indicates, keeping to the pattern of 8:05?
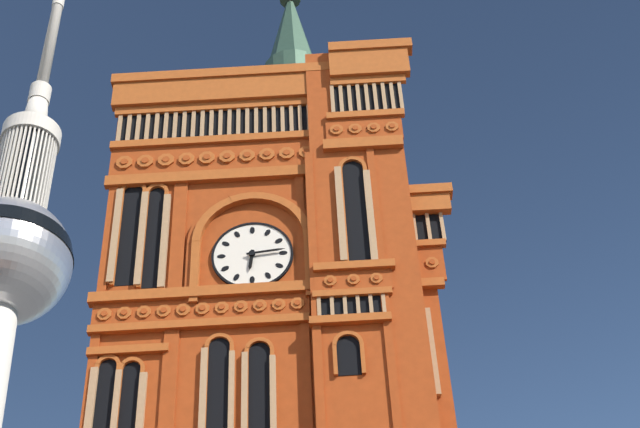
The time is 6:14
